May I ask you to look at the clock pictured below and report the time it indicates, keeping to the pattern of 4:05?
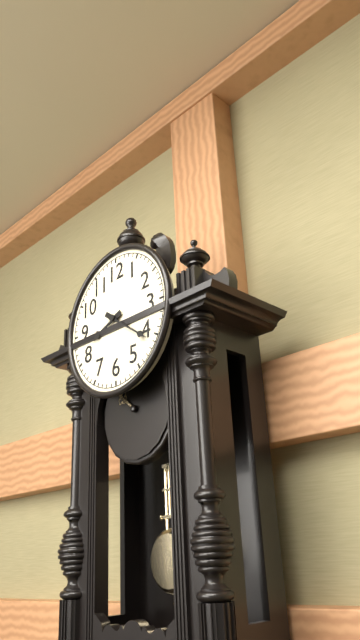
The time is 8:21
